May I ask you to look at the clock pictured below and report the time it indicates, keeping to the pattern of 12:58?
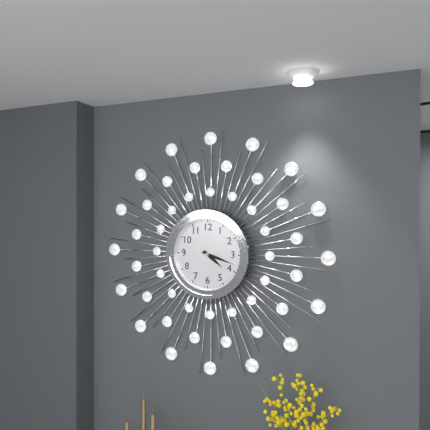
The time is 4:18
